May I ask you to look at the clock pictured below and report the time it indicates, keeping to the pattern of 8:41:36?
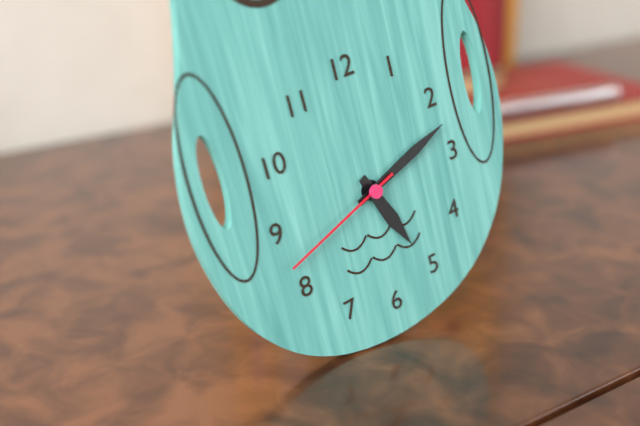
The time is 5:12:42
